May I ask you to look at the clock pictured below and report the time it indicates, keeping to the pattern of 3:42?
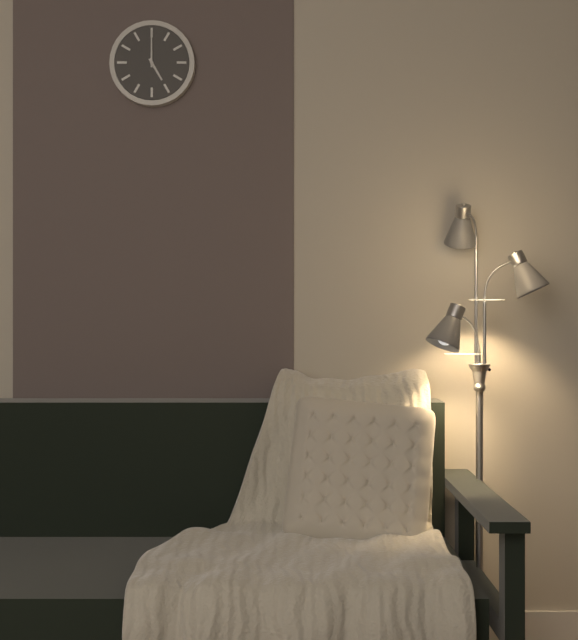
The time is 5:00
